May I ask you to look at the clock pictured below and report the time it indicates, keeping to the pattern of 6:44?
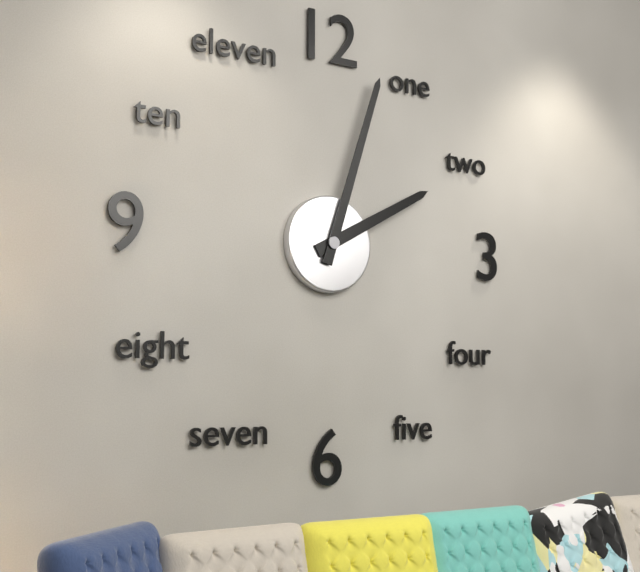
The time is 2:03
